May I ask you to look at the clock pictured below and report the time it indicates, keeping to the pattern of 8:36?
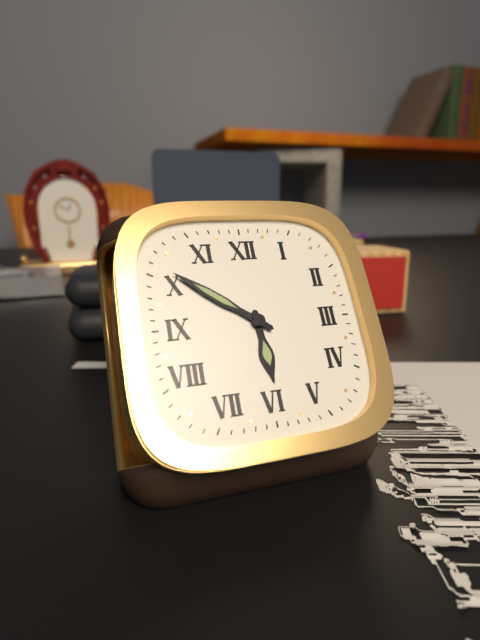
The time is 5:51
